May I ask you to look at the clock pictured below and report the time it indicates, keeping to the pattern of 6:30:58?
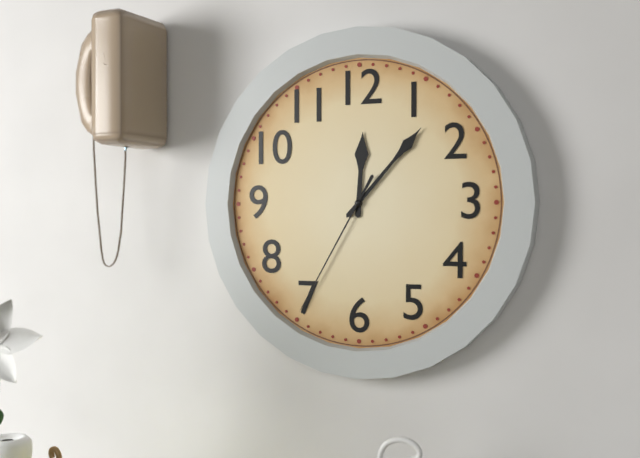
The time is 12:07:35
